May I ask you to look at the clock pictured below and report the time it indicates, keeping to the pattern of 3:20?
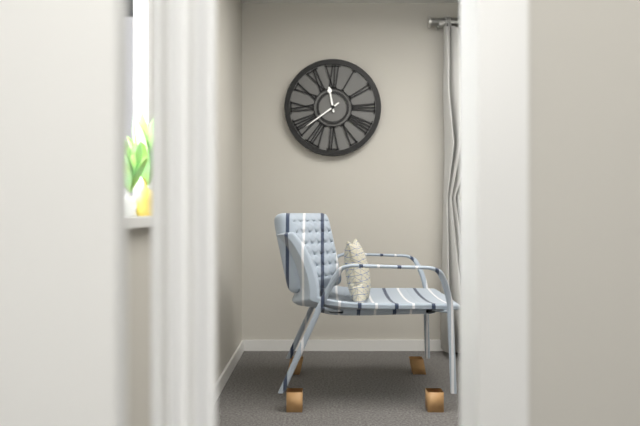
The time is 11:39
